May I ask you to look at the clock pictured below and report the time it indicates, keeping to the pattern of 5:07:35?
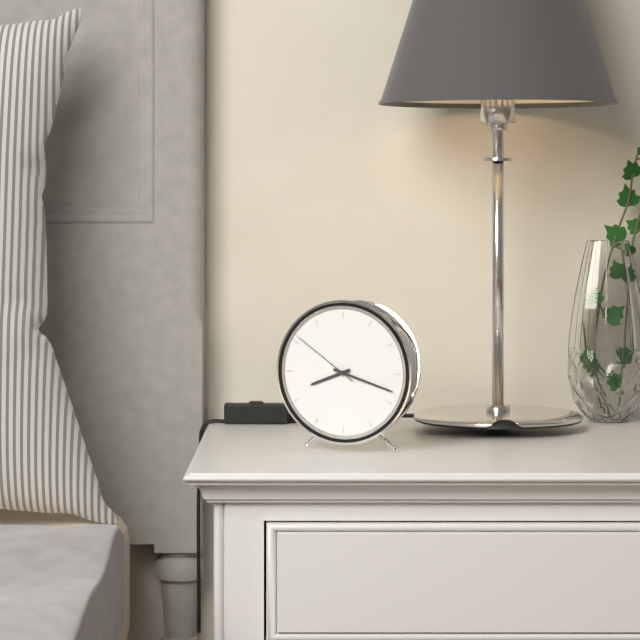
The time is 8:18:51
